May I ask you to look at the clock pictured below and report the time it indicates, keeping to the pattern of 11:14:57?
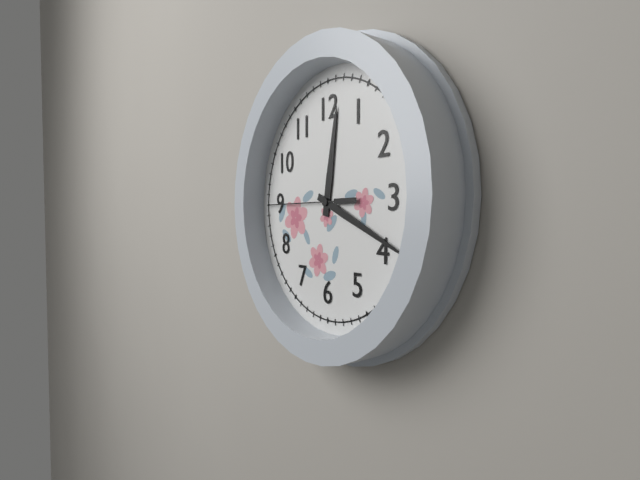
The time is 12:19:45
